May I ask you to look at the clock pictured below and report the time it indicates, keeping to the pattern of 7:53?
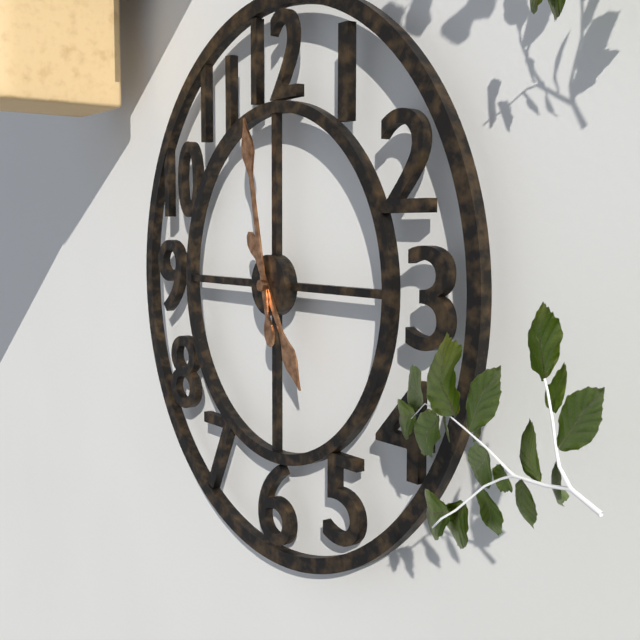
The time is 4:58
